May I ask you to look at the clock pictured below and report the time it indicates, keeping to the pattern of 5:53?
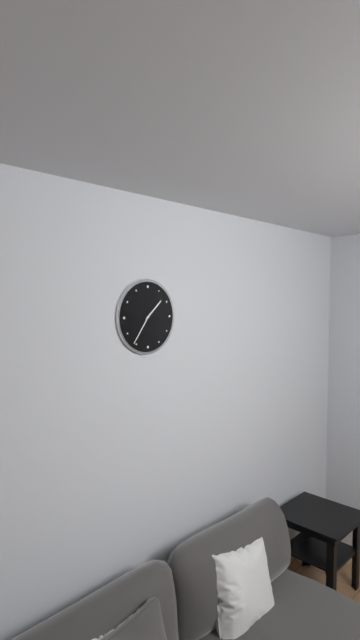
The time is 1:36
